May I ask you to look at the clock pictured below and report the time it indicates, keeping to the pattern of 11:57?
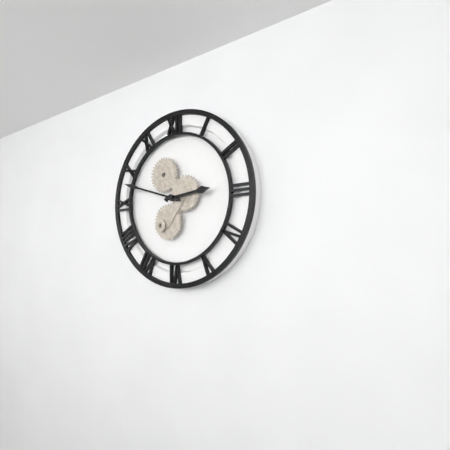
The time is 2:48
